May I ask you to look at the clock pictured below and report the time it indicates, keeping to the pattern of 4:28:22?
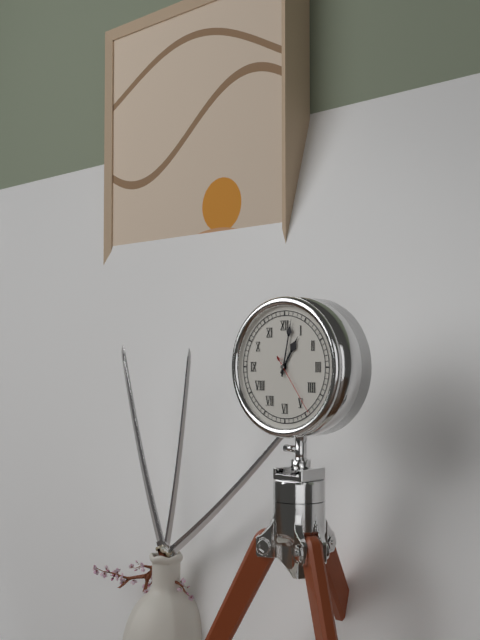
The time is 1:02:24
